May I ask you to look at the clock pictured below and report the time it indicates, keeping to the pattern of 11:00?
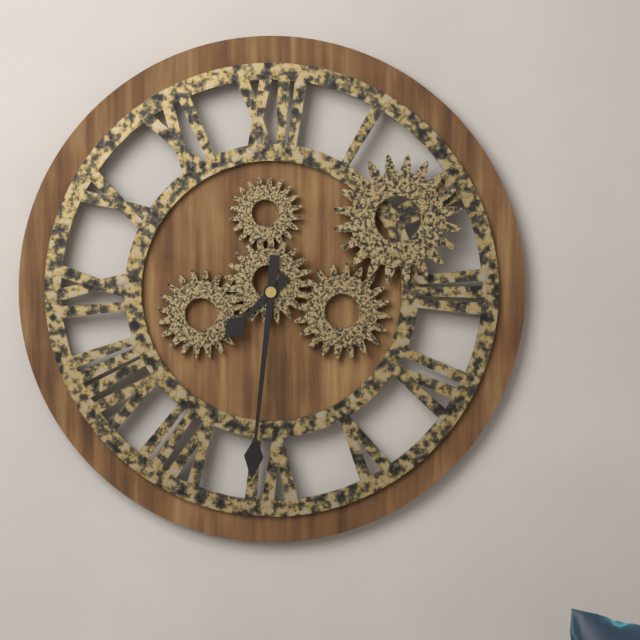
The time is 7:31
